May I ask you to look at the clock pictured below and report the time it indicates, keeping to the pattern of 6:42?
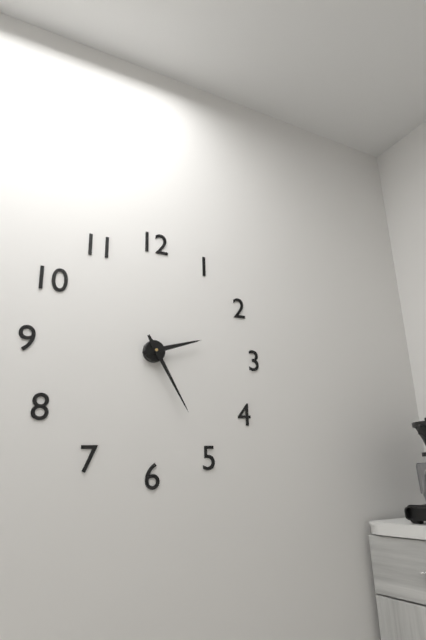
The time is 2:25
